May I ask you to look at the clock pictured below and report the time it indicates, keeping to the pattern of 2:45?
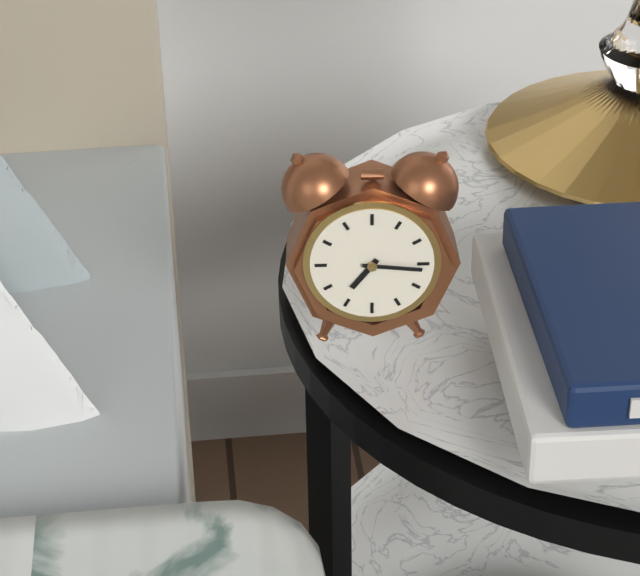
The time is 7:16
